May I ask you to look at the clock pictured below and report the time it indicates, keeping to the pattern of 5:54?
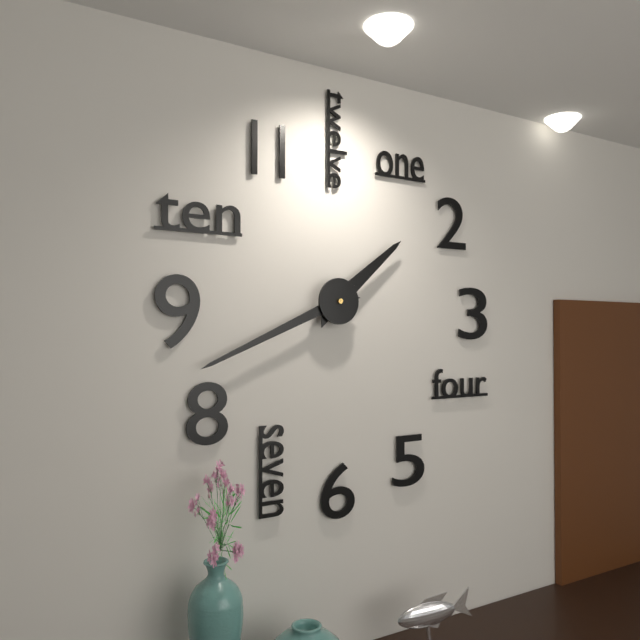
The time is 1:41
